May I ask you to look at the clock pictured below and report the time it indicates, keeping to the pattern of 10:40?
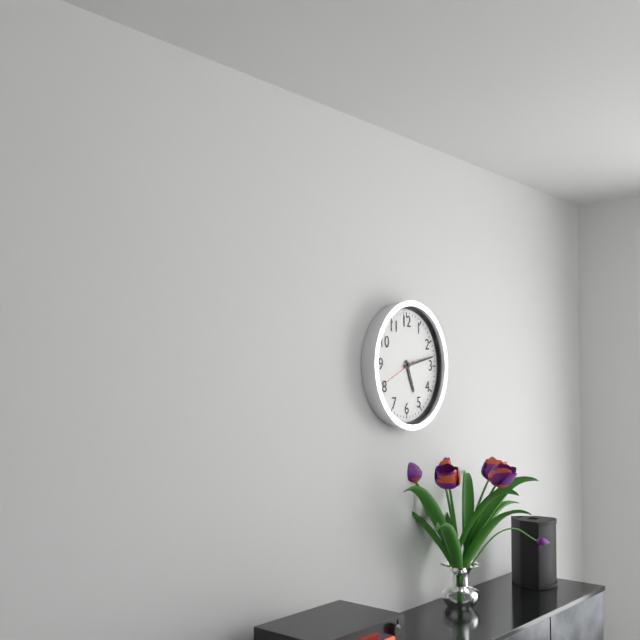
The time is 5:13
